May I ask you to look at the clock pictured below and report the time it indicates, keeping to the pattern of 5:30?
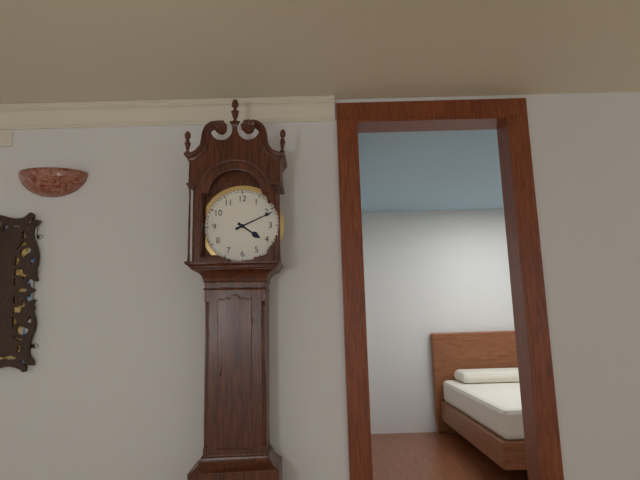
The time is 4:11
